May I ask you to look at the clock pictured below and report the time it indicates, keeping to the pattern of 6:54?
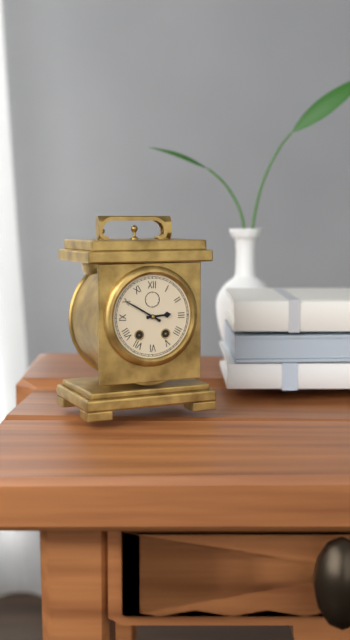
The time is 2:50
